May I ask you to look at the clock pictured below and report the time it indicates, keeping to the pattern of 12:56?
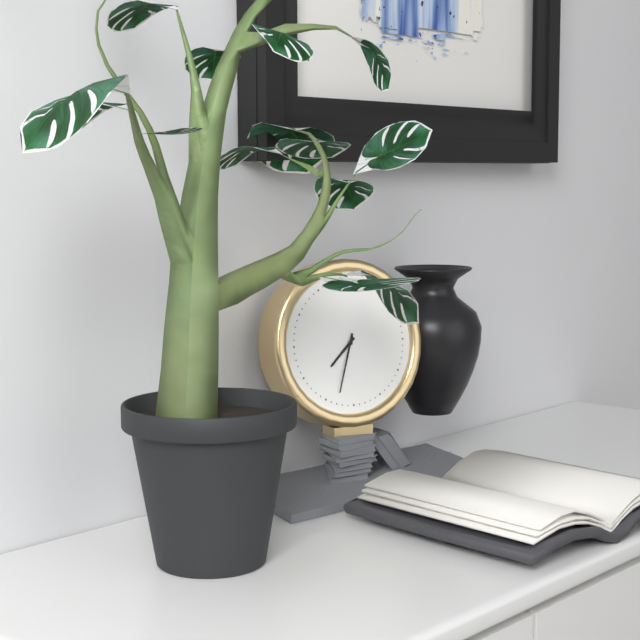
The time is 7:33
